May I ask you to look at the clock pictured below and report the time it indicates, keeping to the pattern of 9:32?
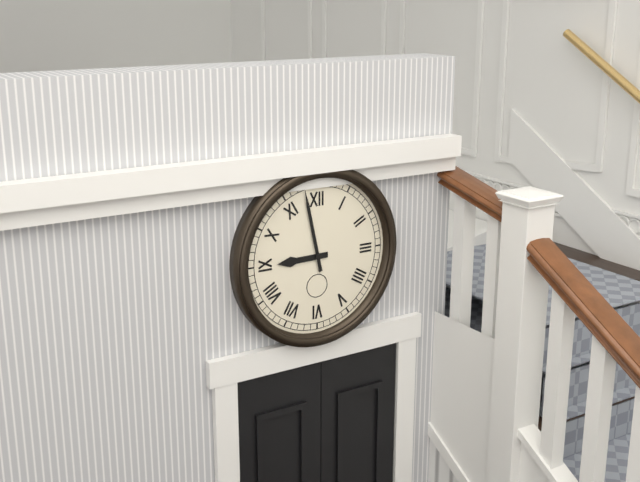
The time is 8:58
